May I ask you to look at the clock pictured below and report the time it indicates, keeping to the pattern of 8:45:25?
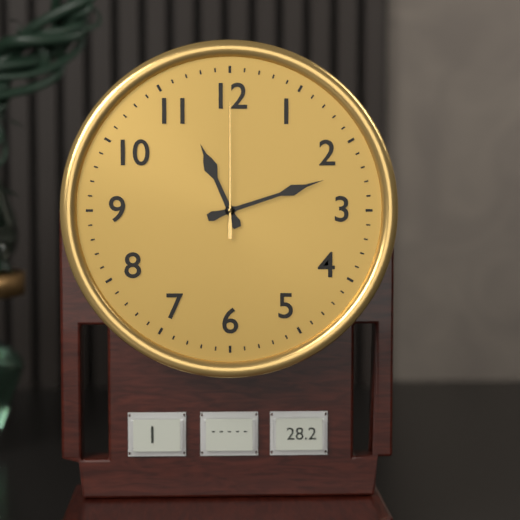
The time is 11:12:00
